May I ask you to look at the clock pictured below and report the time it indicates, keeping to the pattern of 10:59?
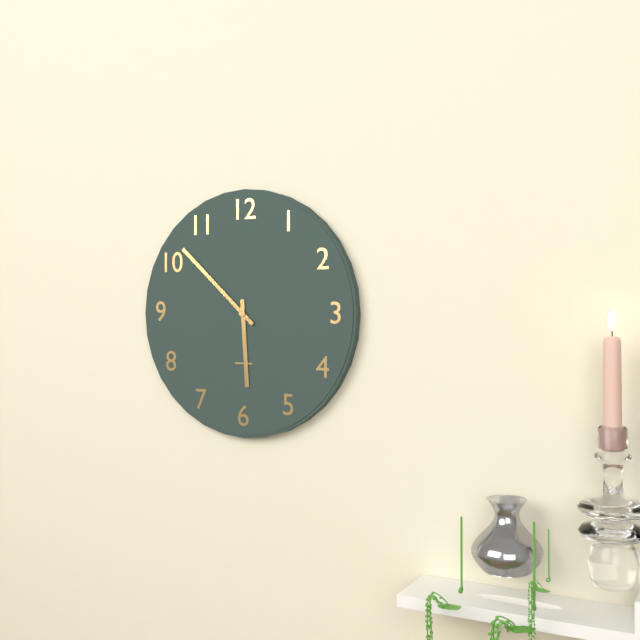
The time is 5:52
